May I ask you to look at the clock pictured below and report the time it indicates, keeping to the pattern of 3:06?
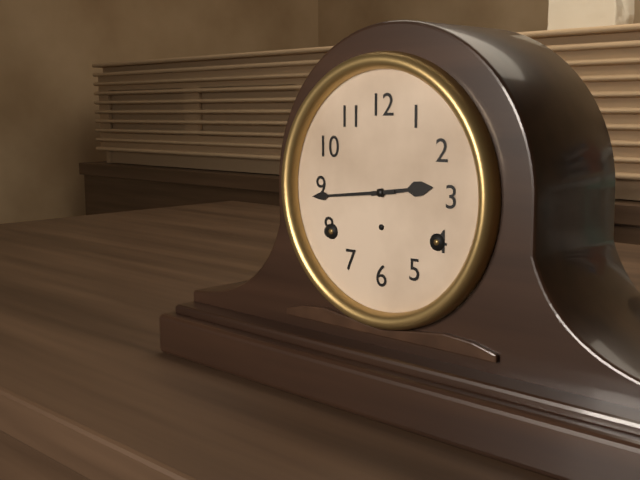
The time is 2:44
